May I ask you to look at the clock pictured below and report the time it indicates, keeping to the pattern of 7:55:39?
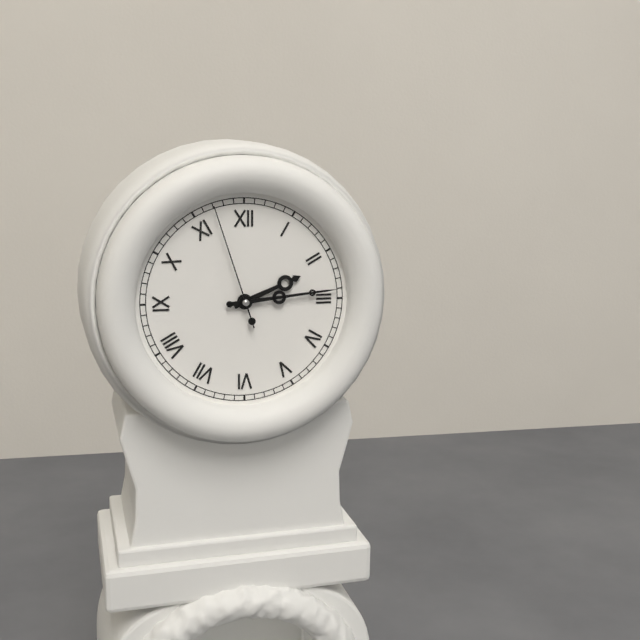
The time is 2:14:57
